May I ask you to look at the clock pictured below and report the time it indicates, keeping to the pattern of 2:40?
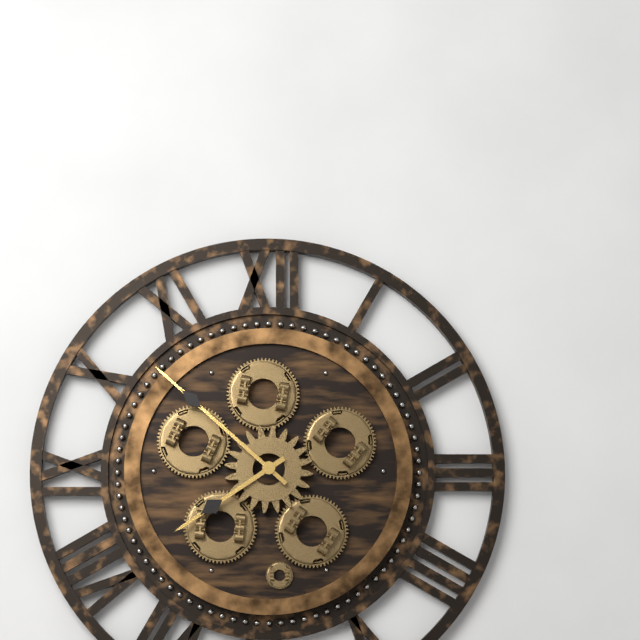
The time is 7:52
